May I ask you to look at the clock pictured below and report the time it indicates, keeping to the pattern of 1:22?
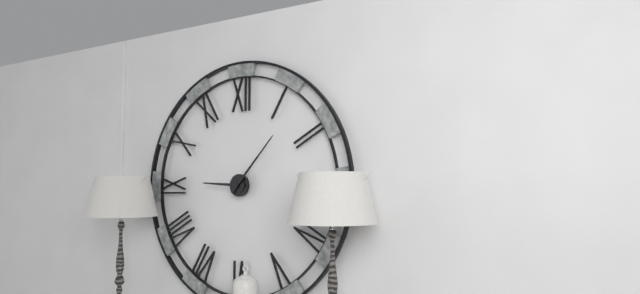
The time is 9:07
